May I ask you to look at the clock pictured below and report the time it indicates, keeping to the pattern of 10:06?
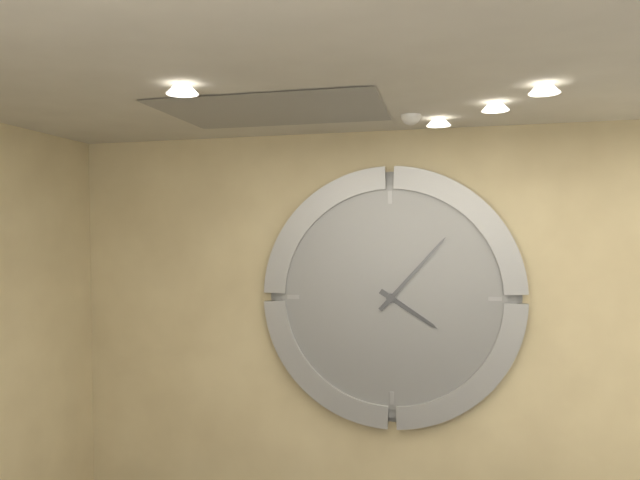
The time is 4:07
